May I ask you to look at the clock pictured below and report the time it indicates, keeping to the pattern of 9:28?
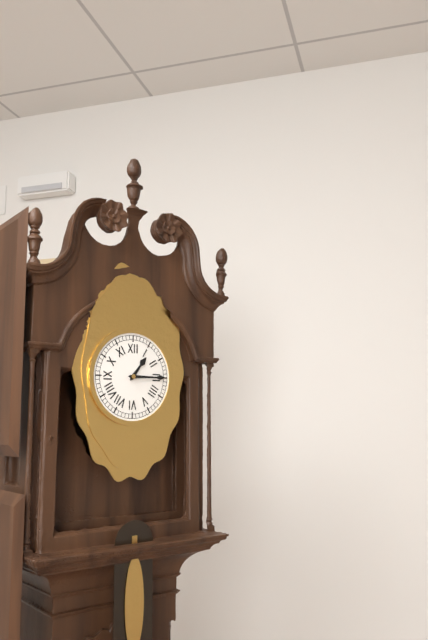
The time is 1:15
